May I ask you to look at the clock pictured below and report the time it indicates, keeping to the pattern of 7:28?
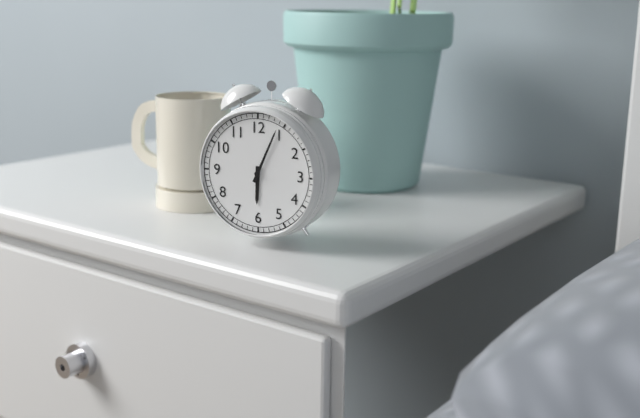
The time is 6:04
